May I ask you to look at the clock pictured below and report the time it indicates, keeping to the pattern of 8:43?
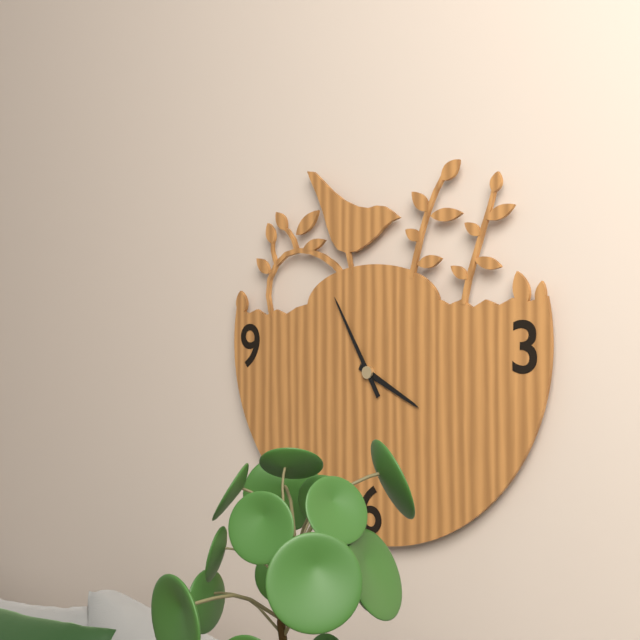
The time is 3:55
